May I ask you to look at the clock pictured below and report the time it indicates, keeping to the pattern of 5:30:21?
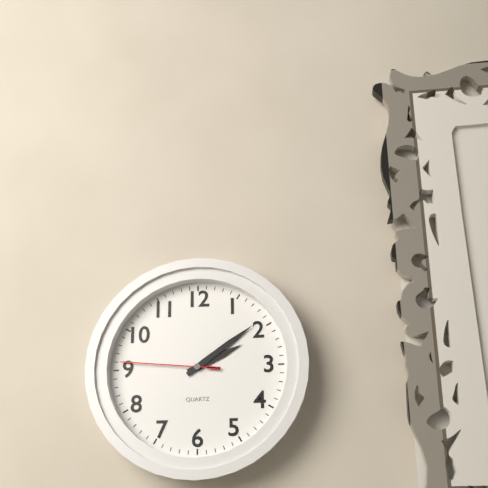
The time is 2:09:46
